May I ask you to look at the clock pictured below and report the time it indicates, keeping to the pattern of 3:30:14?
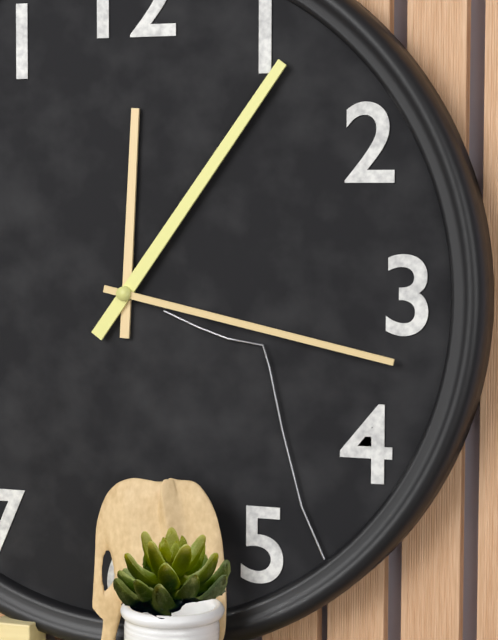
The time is 12:06:17
